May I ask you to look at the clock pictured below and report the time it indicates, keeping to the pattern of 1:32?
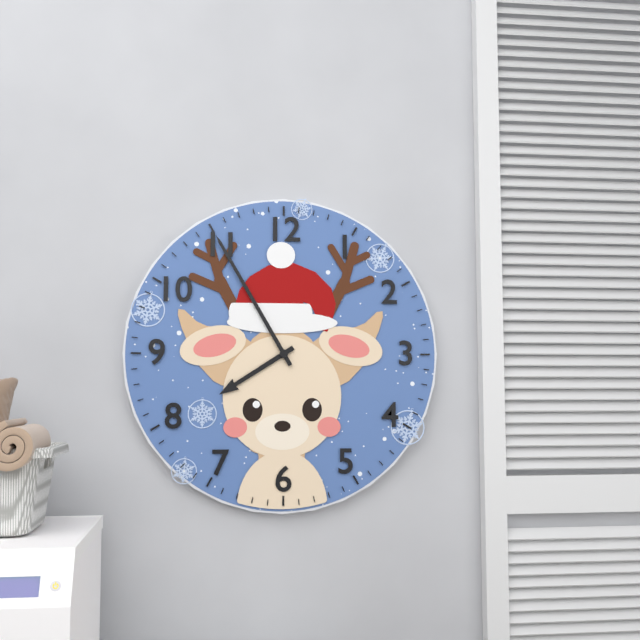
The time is 7:55
